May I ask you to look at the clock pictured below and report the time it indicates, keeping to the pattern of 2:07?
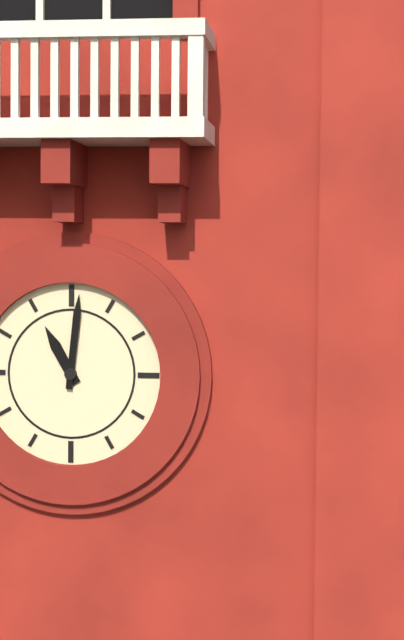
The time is 11:01
